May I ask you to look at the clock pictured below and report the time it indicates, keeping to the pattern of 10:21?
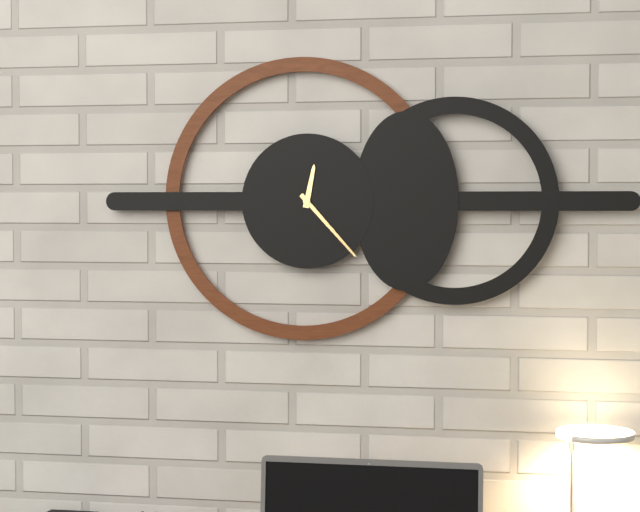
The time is 12:23
